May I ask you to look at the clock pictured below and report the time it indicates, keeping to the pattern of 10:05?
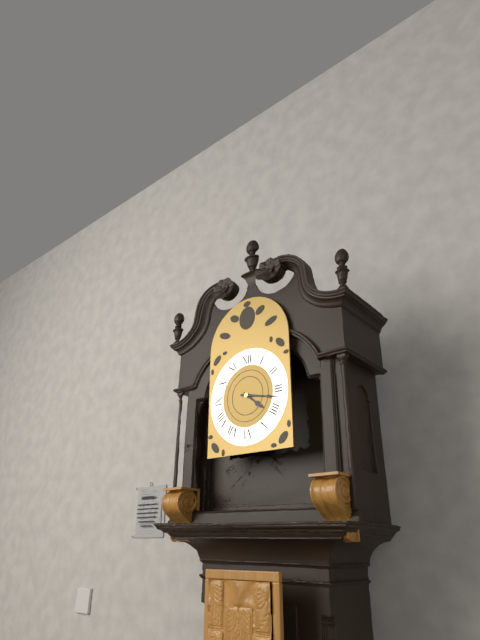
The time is 4:17
